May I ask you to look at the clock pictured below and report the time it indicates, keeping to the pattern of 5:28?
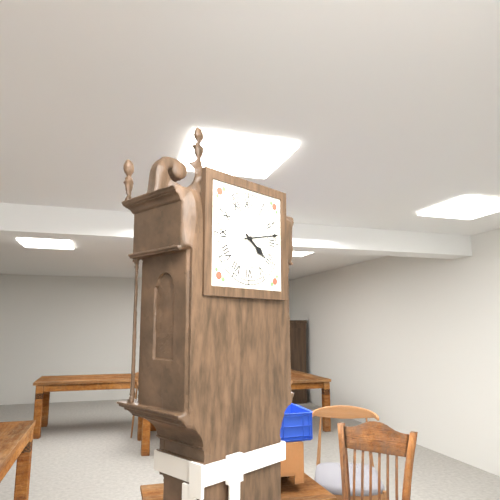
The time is 4:13
